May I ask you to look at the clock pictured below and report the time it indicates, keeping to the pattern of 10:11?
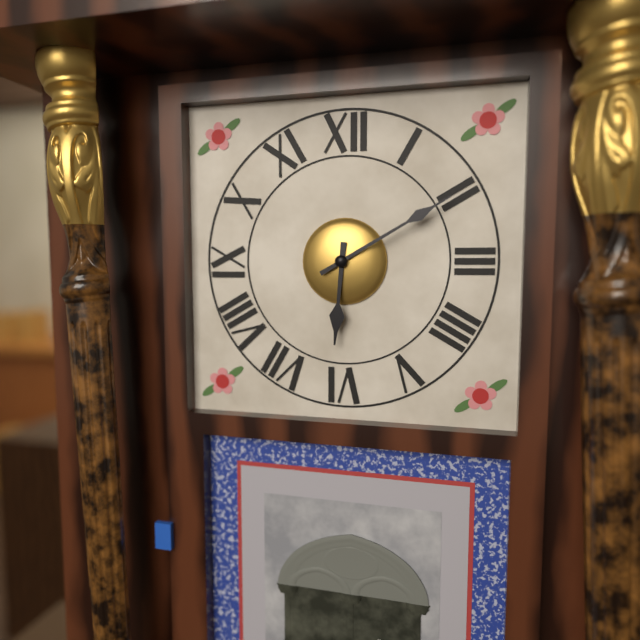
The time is 6:10
